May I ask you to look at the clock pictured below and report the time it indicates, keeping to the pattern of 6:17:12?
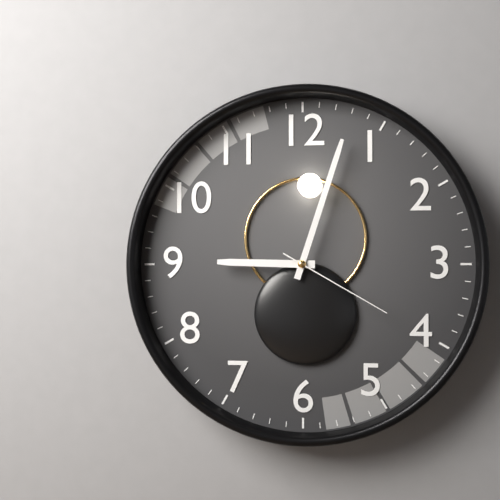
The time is 9:03:20
